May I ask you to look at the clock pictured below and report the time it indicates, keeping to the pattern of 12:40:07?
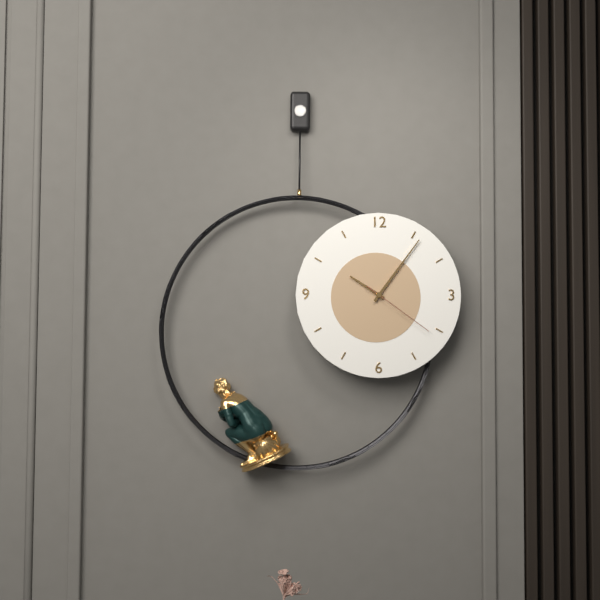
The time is 10:06:21
